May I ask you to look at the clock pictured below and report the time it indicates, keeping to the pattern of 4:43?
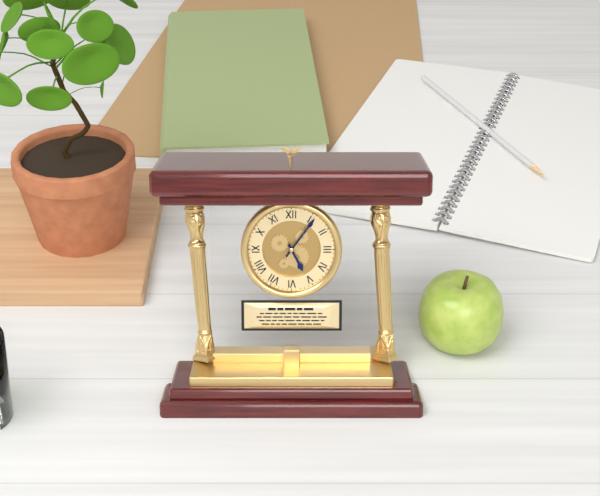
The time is 5:06
